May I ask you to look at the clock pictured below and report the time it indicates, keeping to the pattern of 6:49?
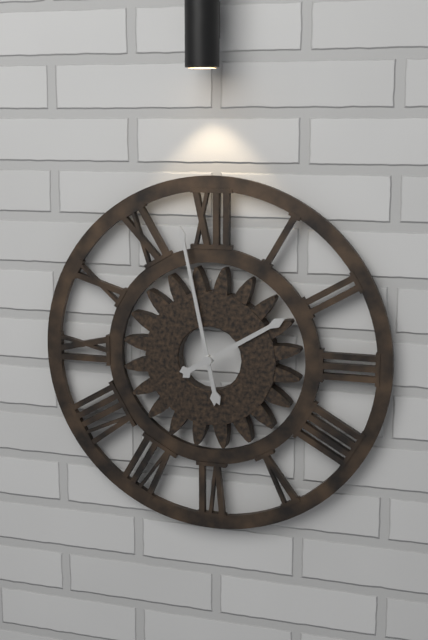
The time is 1:58
